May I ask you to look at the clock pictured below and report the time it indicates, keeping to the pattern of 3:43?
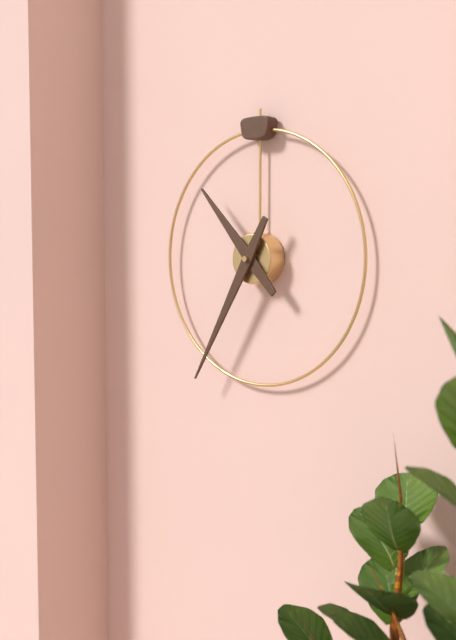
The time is 10:35
